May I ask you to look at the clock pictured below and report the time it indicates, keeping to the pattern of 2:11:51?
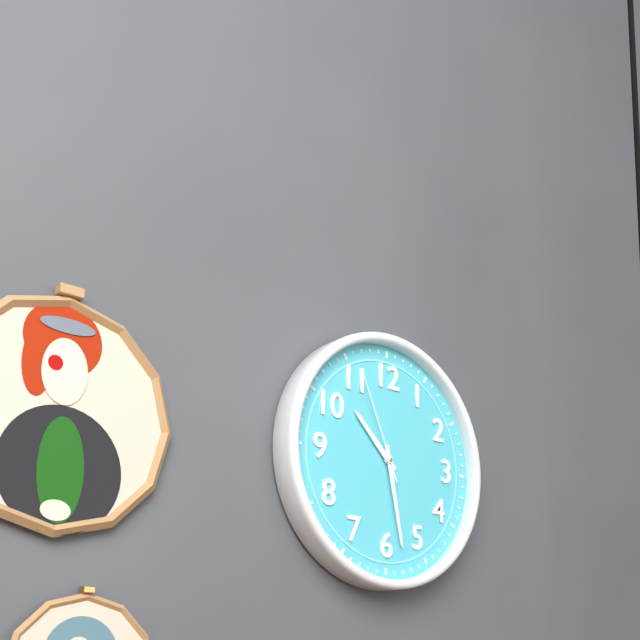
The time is 10:28:56
